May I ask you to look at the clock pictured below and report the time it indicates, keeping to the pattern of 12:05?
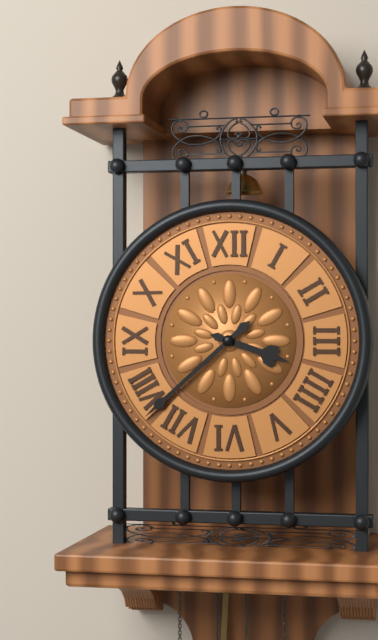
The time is 3:38
